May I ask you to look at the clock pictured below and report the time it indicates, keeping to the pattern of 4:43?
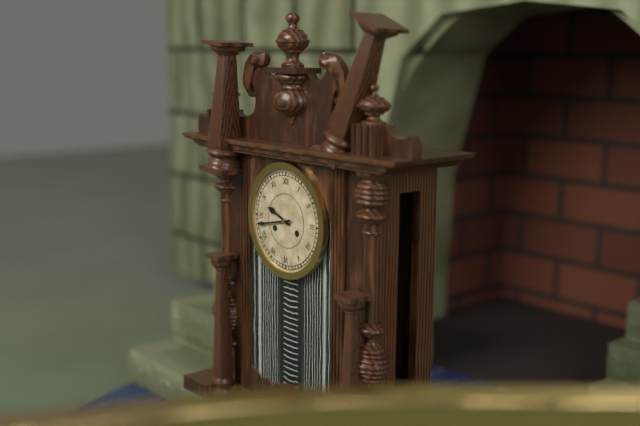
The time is 9:43
